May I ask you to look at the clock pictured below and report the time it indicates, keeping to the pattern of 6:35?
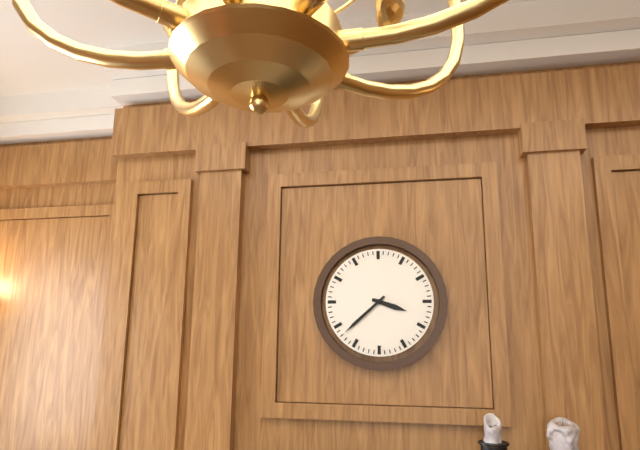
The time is 3:38
